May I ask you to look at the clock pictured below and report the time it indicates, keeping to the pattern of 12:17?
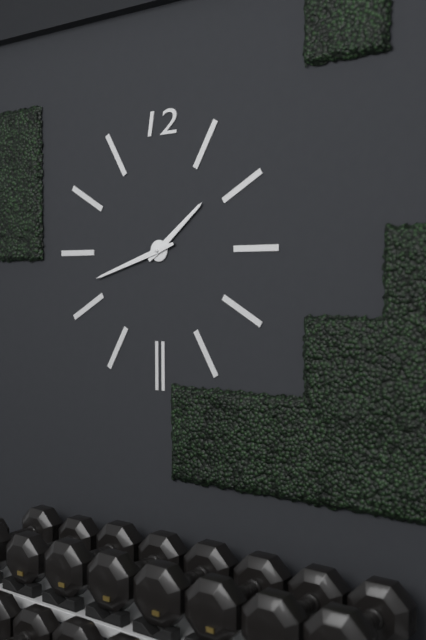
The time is 1:42
